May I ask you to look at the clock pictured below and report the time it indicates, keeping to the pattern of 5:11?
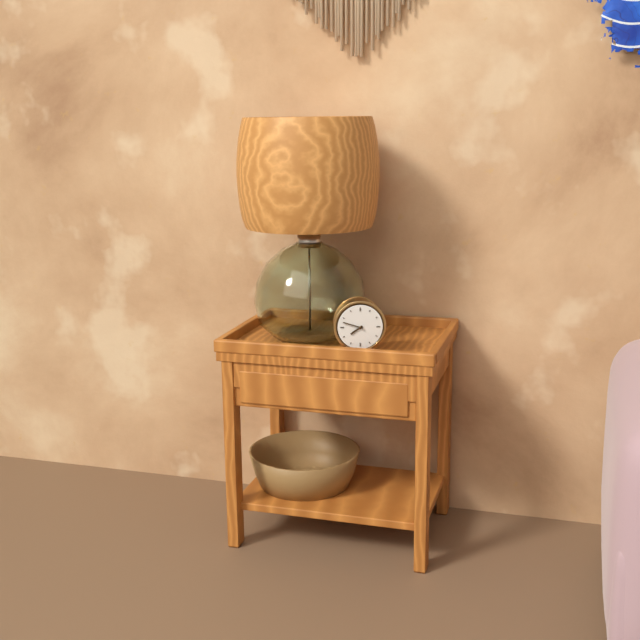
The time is 7:48
